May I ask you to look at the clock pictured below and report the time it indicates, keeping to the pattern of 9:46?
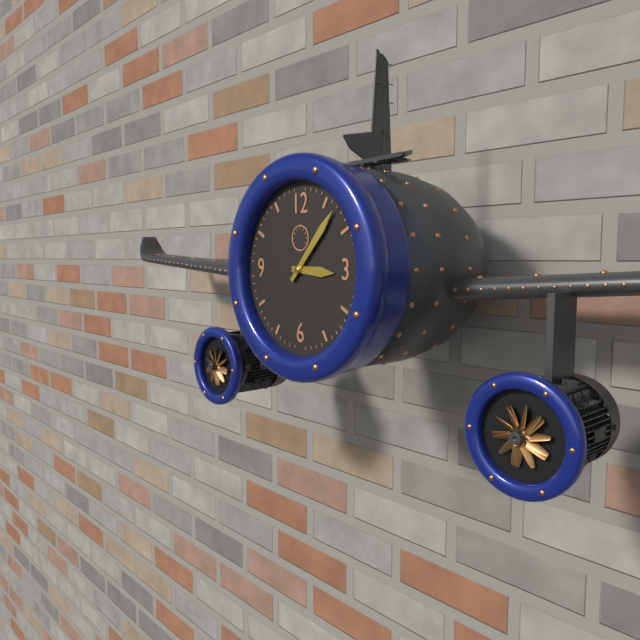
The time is 3:07
